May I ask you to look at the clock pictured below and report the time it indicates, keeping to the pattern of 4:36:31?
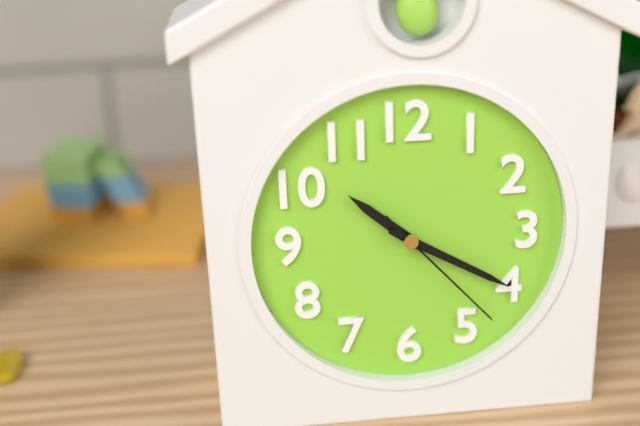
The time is 10:20:23
